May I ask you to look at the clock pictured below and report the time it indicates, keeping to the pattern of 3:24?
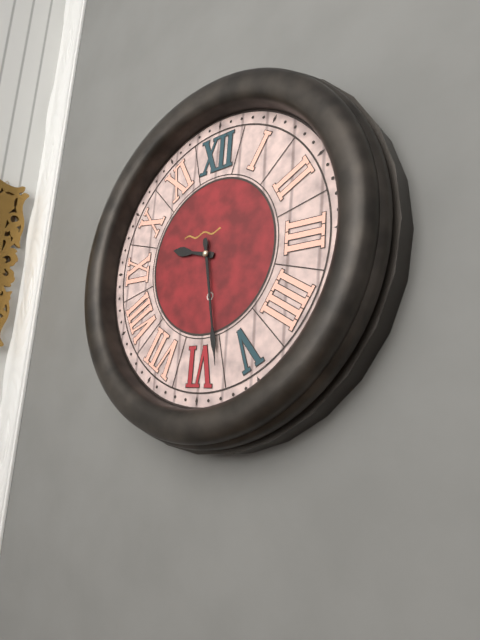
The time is 9:28
